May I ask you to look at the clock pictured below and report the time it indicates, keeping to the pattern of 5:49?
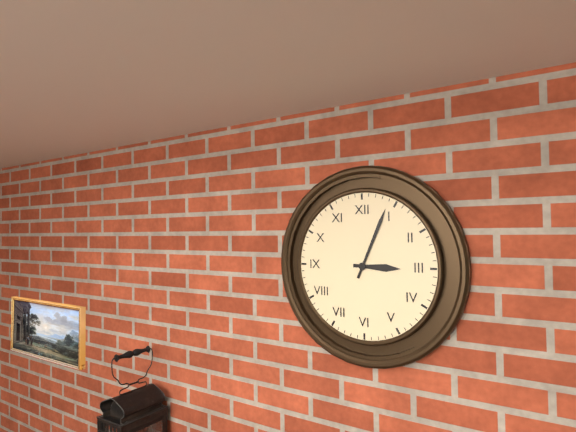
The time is 3:04
